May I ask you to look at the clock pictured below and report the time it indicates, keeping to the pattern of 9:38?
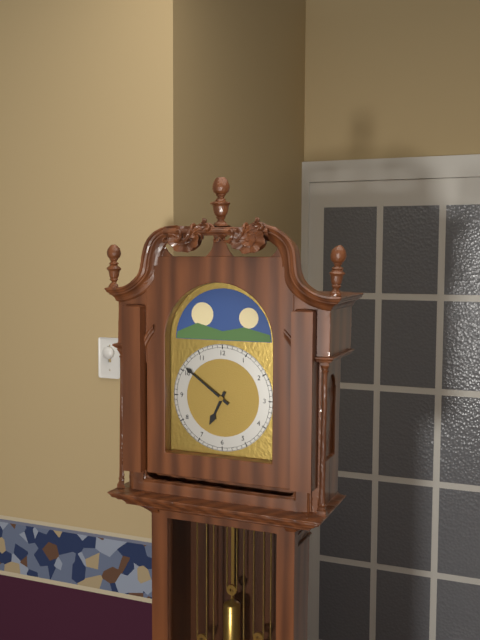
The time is 6:51
